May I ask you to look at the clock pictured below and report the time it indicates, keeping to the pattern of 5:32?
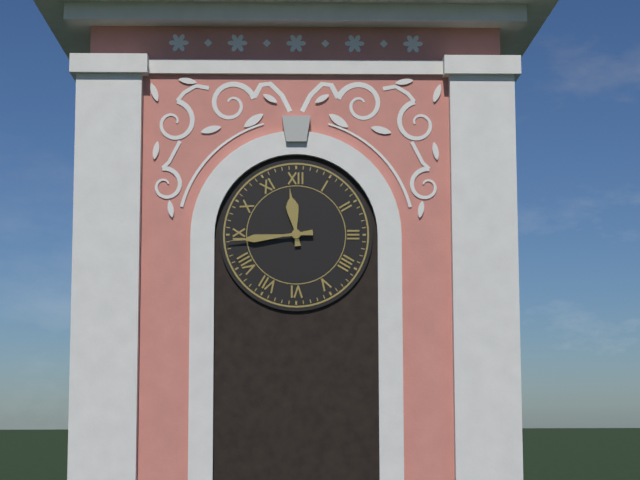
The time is 11:44
